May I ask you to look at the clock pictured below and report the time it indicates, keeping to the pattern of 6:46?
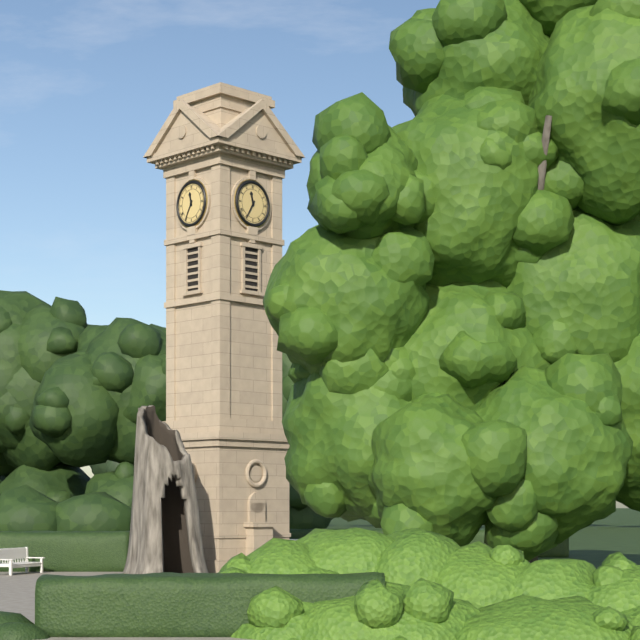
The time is 11:35
